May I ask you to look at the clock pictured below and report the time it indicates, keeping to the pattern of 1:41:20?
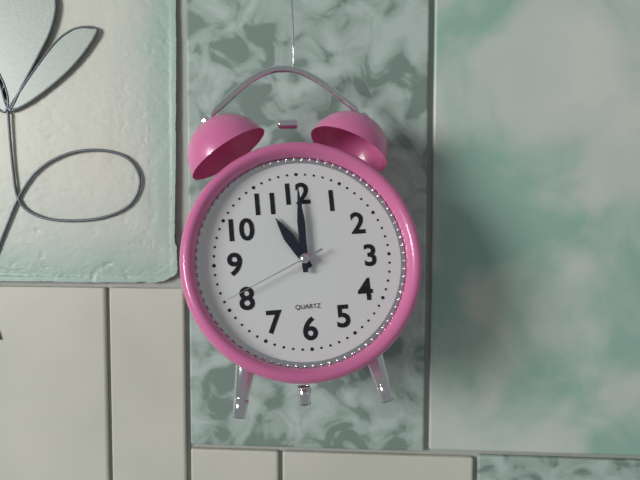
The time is 11:00:41
